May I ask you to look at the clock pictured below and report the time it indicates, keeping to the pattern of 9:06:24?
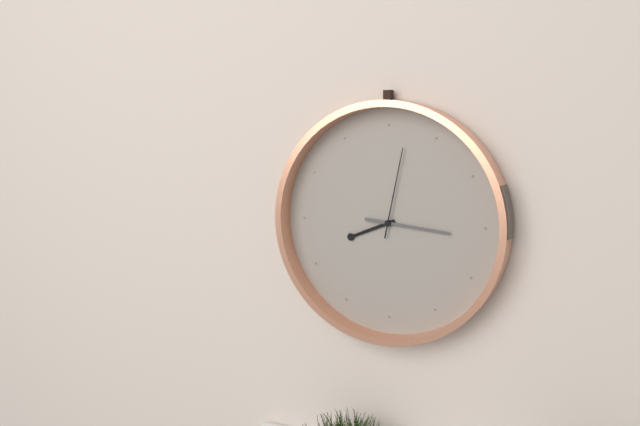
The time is 8:16:02
